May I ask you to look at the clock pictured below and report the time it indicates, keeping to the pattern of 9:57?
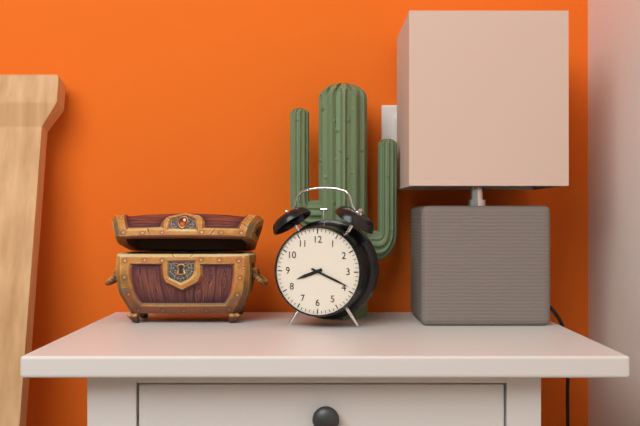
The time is 8:19
